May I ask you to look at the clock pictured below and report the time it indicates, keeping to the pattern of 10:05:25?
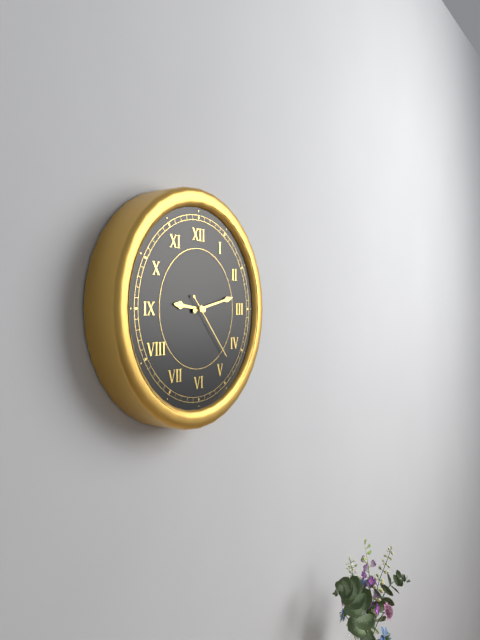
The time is 9:13:23
